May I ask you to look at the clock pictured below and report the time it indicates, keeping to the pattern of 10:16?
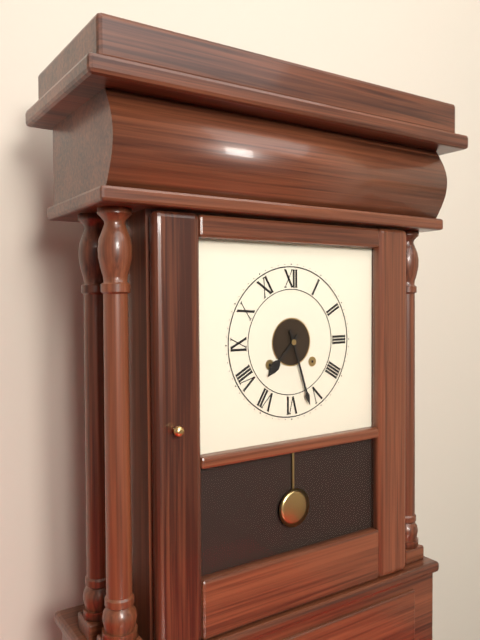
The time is 7:27
